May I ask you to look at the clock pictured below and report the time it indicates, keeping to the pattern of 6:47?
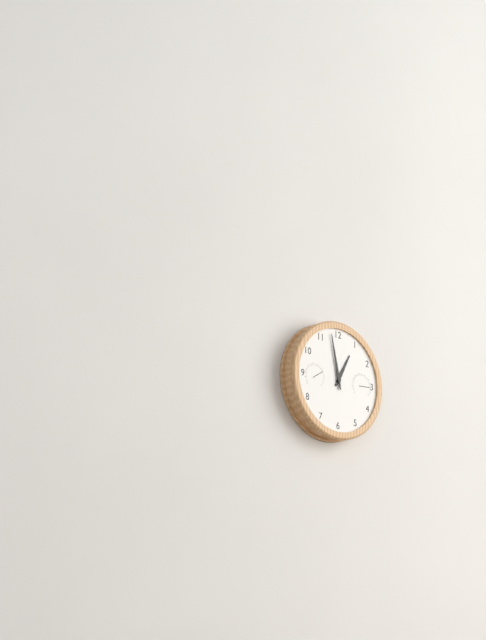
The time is 12:58
